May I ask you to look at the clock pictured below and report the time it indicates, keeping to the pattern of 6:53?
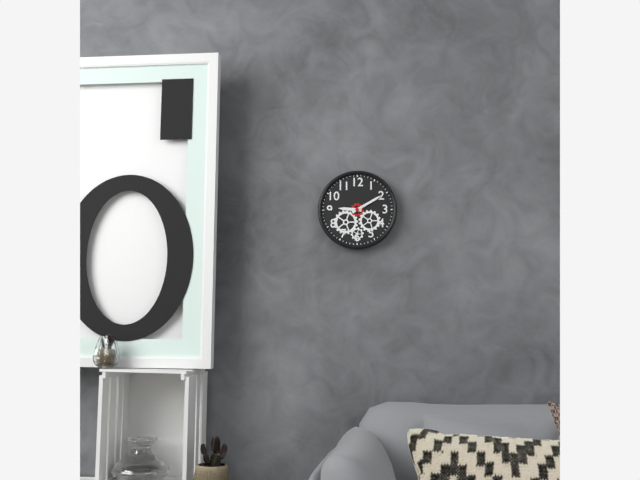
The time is 9:10
